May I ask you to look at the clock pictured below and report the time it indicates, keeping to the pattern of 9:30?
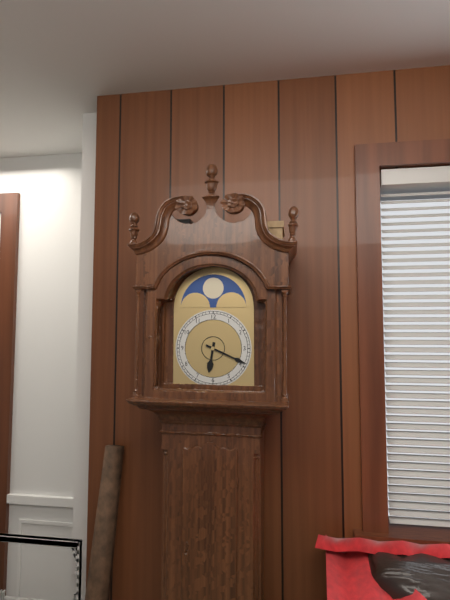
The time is 6:19
